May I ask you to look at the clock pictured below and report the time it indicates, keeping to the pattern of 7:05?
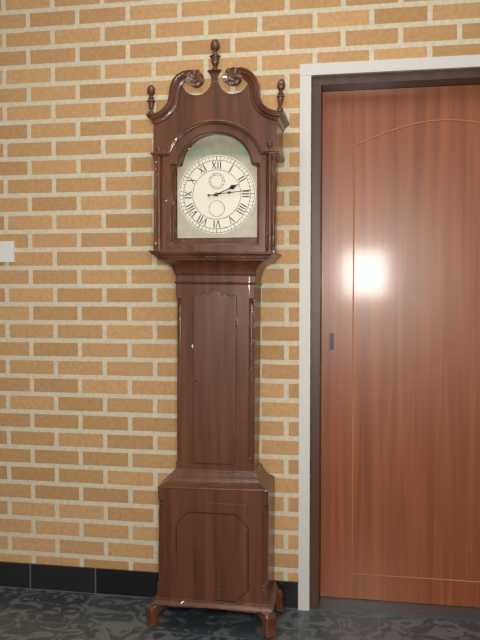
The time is 2:14
